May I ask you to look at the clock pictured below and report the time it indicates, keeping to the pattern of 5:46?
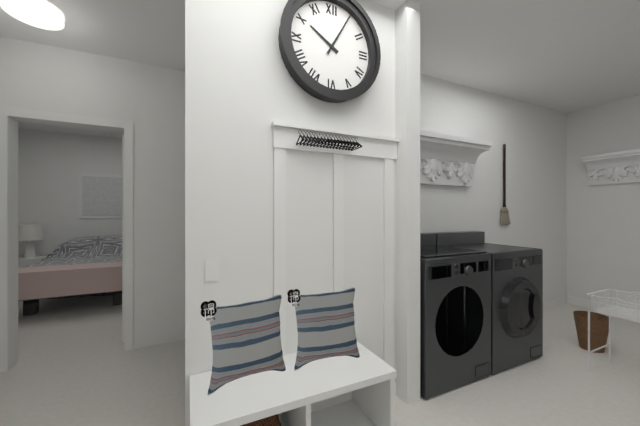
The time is 10:05
